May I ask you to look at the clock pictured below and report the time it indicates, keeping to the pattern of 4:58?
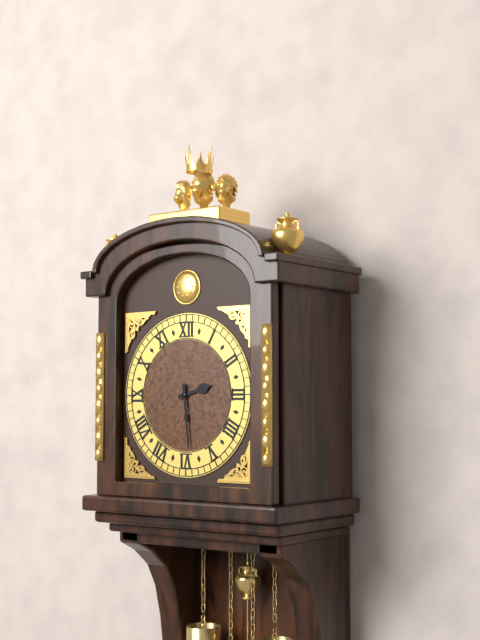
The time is 2:29
